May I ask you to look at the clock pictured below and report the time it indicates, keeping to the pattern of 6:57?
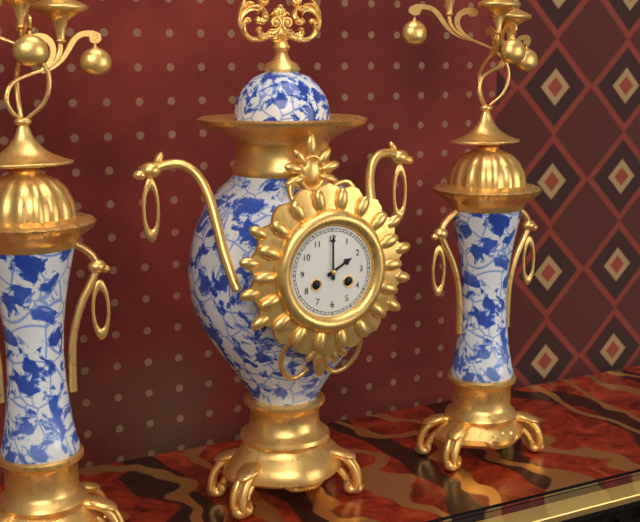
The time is 2:00
